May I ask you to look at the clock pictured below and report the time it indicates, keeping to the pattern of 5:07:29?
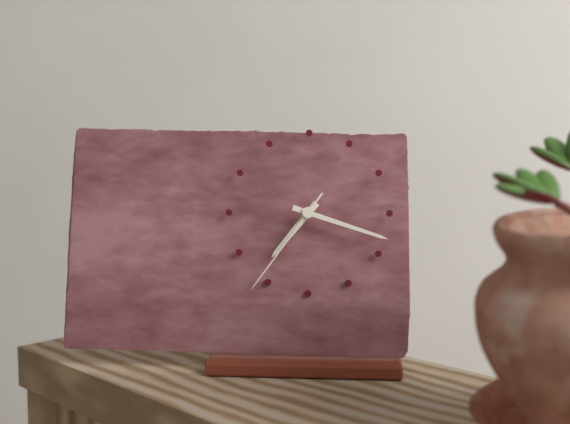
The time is 7:18:36
